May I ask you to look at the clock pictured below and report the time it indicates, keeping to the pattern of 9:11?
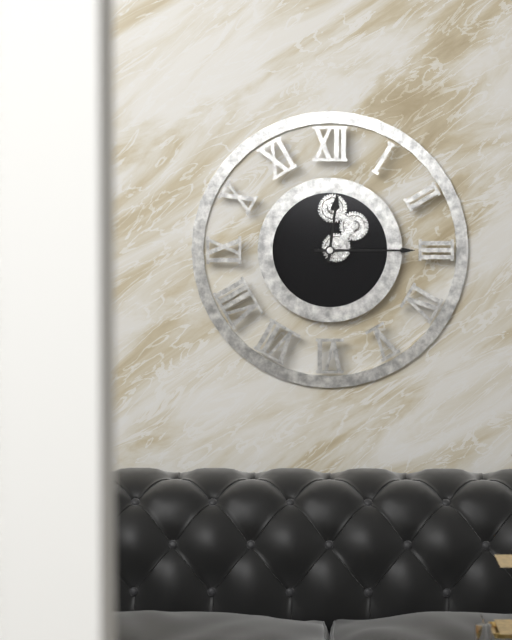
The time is 12:15
